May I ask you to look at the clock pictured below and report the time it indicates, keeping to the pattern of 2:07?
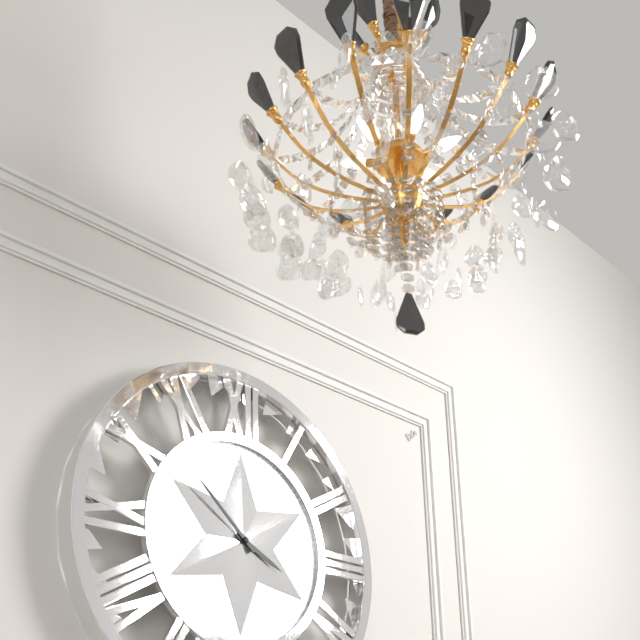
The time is 3:52
